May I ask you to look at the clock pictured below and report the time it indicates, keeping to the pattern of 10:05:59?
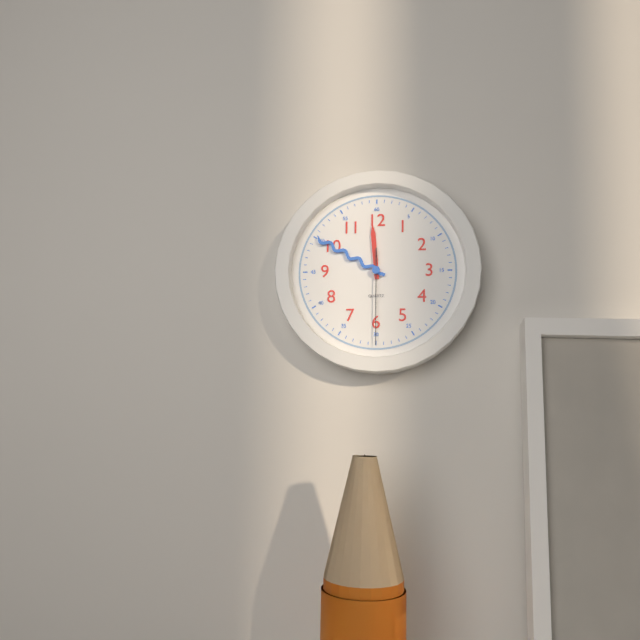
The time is 11:50:30
